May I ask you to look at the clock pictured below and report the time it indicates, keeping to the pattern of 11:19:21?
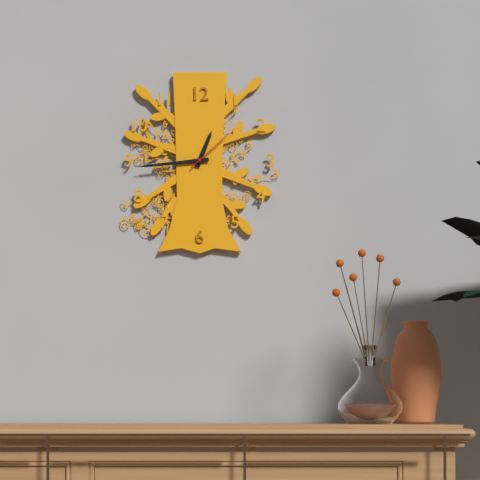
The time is 12:44:08
